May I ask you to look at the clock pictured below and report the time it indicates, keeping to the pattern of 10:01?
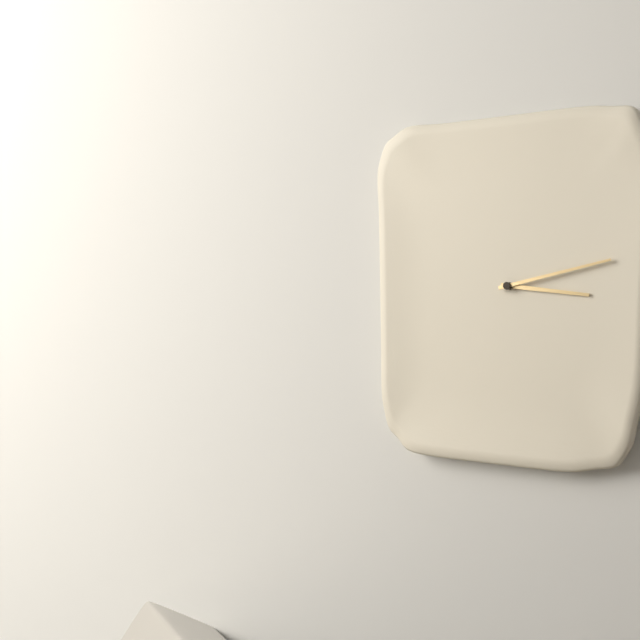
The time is 3:13
